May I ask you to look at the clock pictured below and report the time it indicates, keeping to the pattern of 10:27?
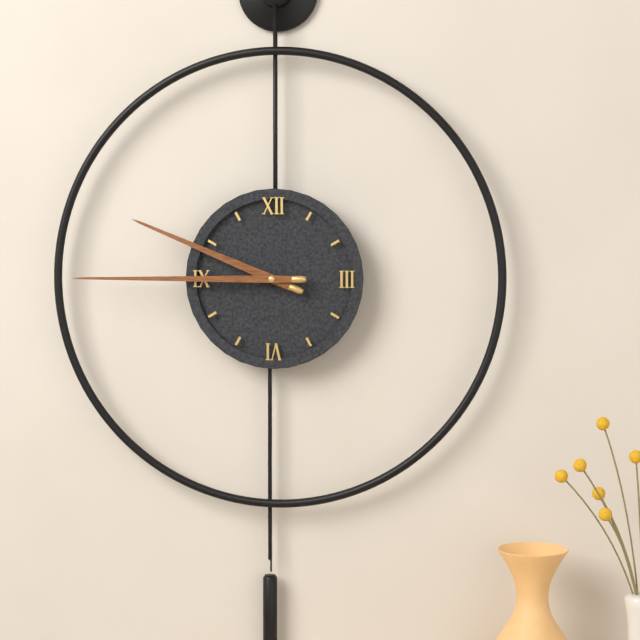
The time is 9:45
